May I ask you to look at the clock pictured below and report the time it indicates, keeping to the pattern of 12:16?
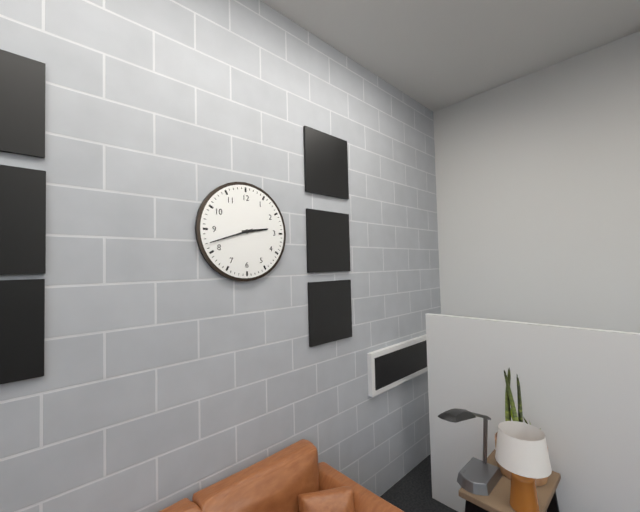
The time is 2:42
